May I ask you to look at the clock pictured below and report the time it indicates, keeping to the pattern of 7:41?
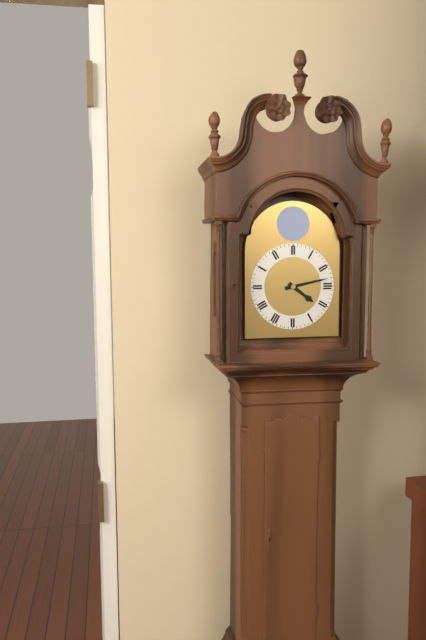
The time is 4:13
